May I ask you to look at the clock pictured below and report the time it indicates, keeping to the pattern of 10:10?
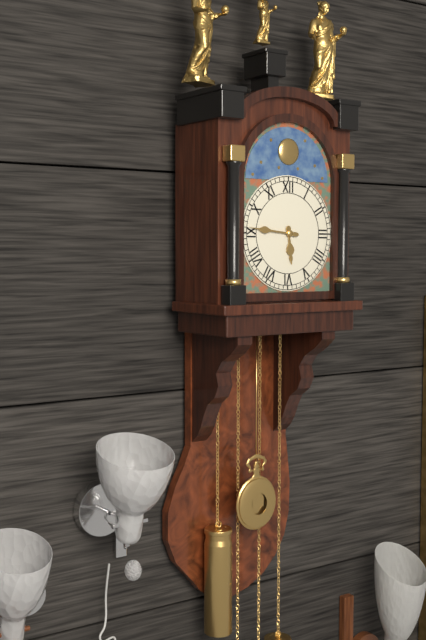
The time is 5:46
